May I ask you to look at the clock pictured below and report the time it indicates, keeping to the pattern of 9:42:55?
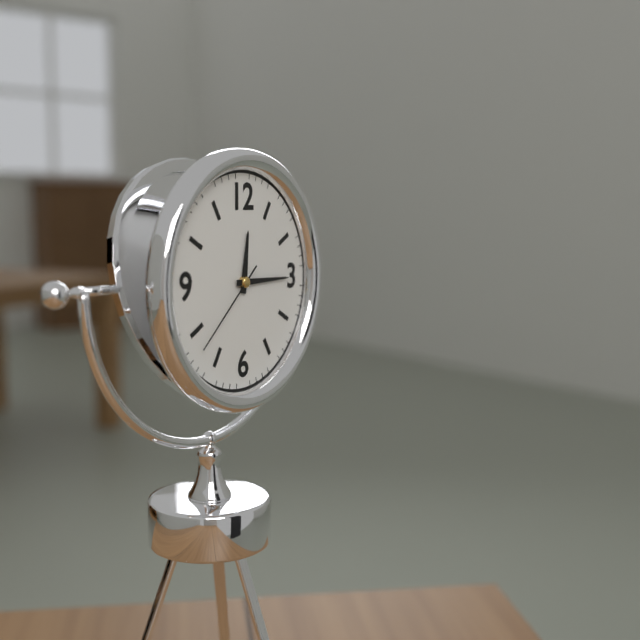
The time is 12:15:38
